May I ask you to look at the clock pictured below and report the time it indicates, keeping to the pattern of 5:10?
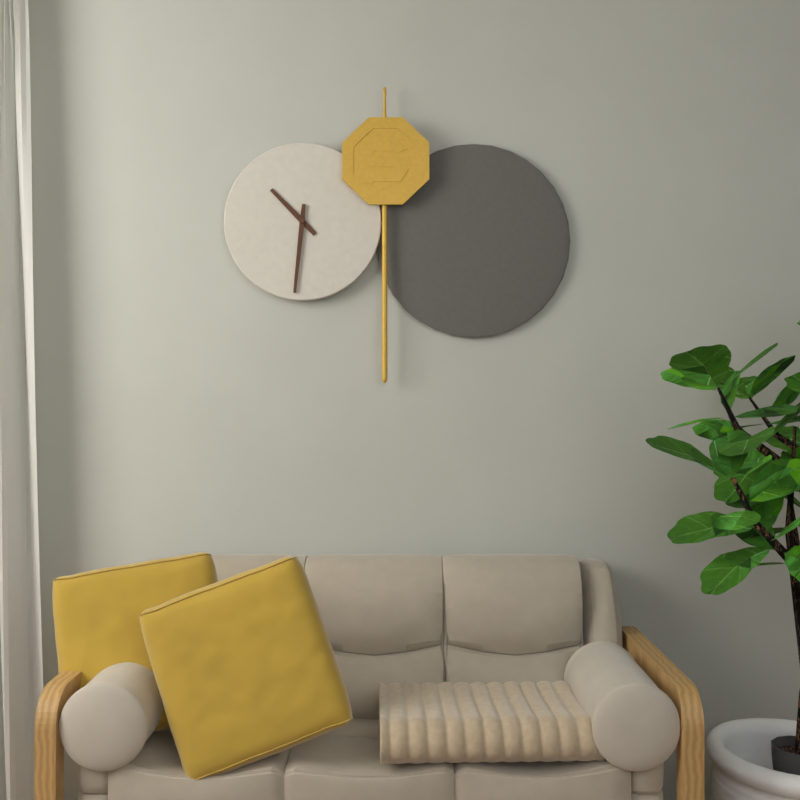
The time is 10:31
